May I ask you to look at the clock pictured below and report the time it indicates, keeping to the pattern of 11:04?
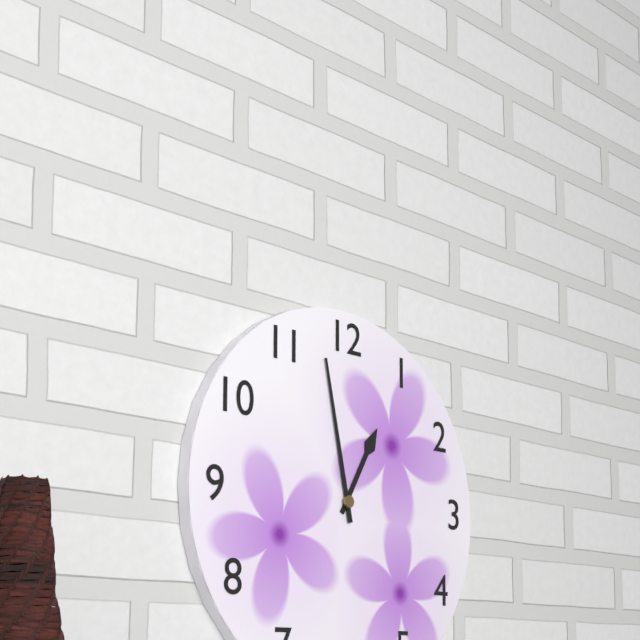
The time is 12:58
